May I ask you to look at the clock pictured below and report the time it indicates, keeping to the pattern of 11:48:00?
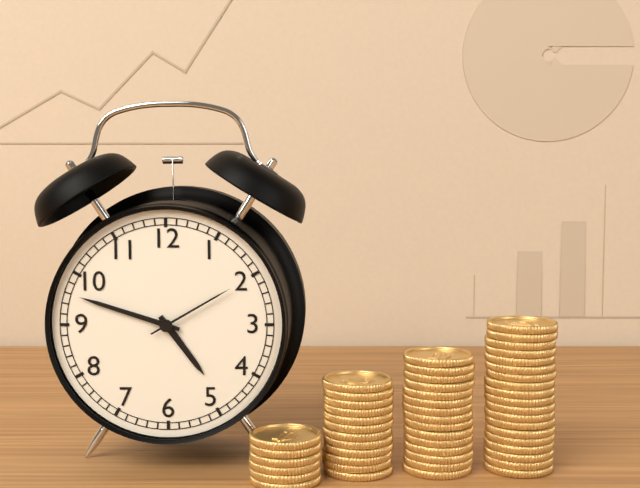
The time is 4:48:10
